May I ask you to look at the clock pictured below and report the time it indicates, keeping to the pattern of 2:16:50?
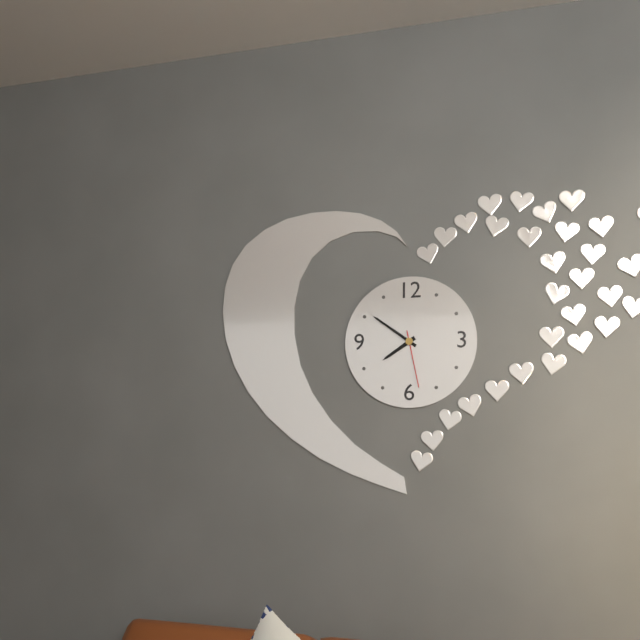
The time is 7:51:28
